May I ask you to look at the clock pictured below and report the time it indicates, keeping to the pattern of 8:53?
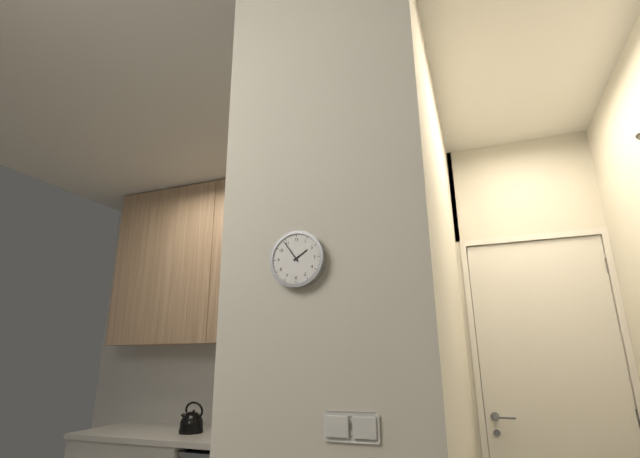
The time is 1:54
